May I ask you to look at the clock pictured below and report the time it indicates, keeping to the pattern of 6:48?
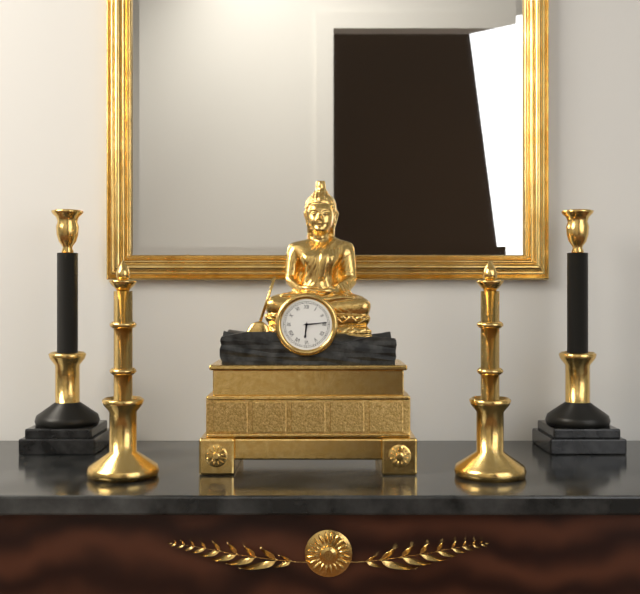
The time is 6:14
